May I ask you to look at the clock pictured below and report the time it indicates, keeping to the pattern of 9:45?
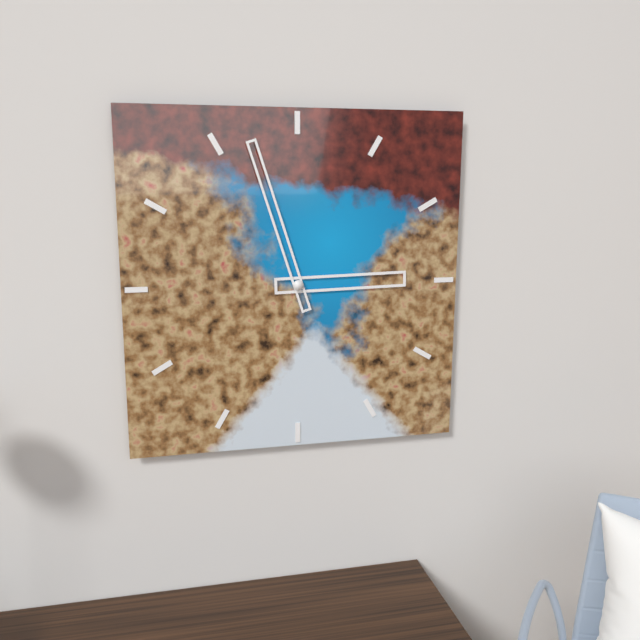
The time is 2:57
